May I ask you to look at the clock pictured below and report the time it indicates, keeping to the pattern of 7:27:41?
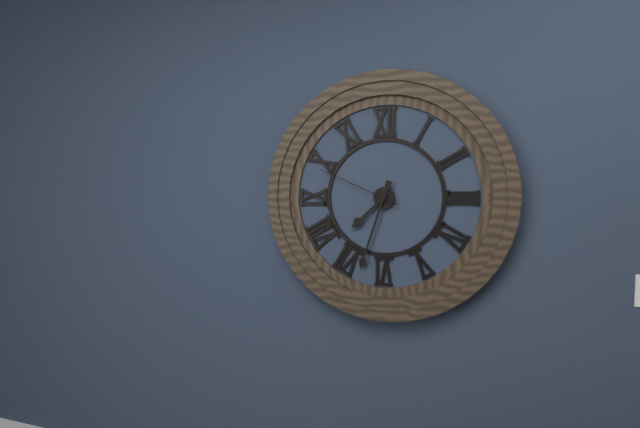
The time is 7:33:49
